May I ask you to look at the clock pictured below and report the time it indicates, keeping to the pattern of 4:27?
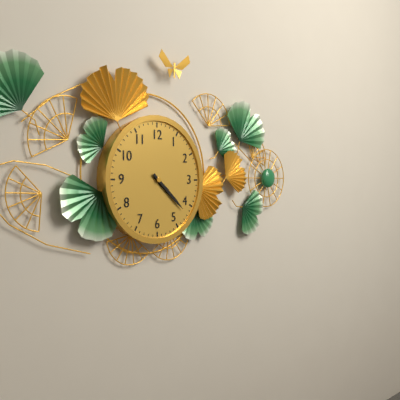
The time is 4:22
